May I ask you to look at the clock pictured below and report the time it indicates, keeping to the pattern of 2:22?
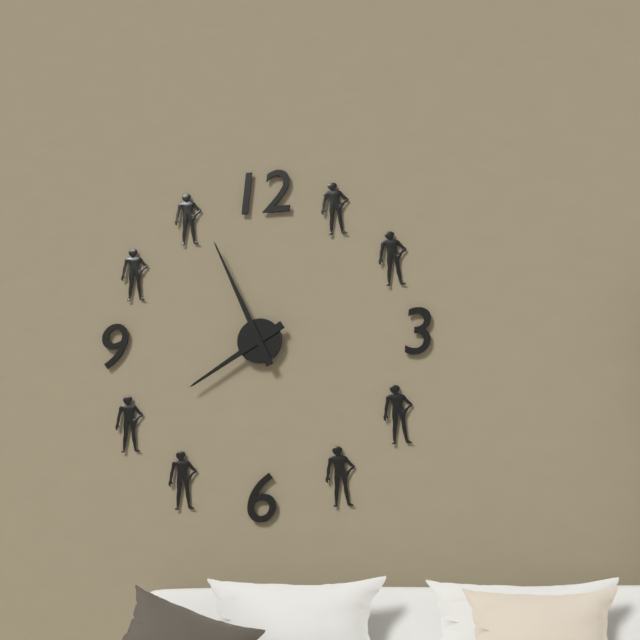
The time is 7:56
